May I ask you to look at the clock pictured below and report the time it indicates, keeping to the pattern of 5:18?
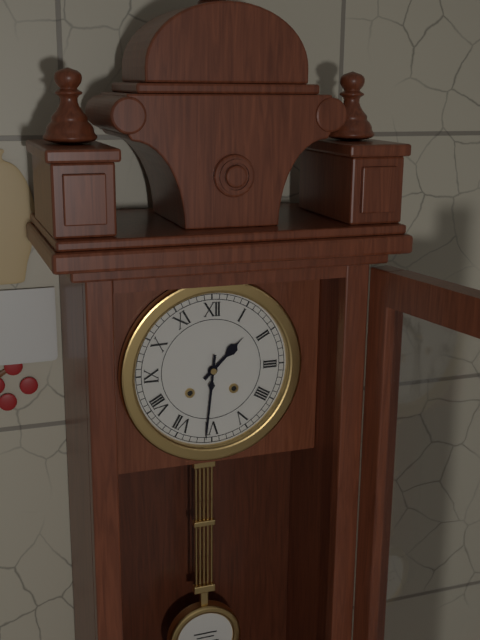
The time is 1:31
